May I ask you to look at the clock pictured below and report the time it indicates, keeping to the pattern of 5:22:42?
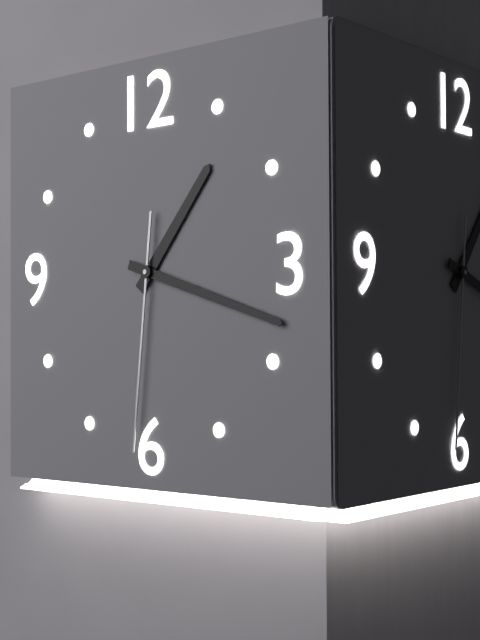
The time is 1:18:31
